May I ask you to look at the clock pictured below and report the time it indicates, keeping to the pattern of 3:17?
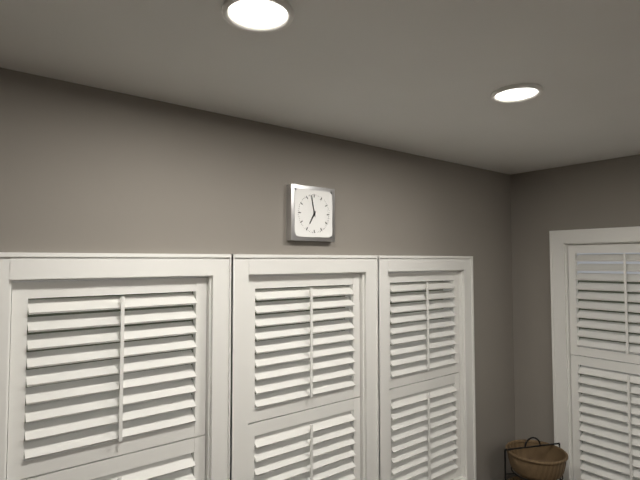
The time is 6:58
